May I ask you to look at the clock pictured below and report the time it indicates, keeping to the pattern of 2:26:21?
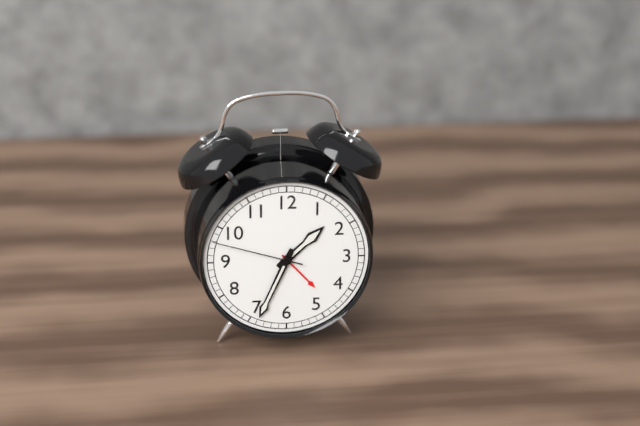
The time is 1:34:48
